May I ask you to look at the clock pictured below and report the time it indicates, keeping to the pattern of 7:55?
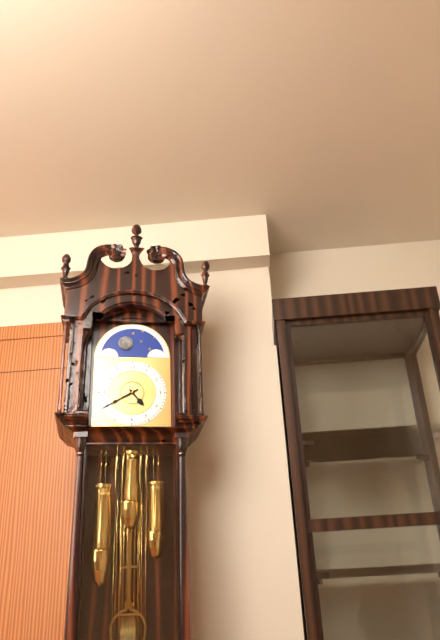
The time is 4:40
